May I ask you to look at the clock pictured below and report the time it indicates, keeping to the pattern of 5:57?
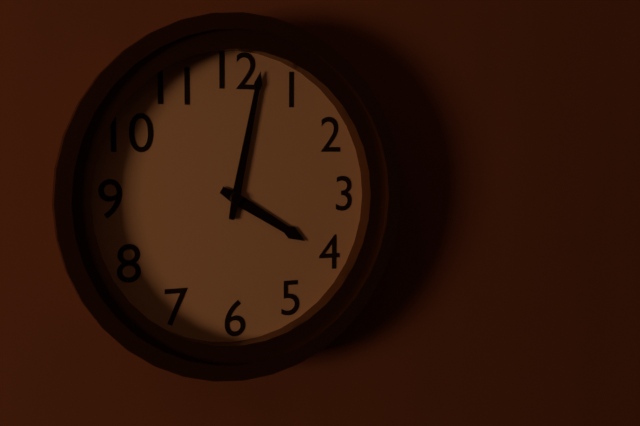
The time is 4:02
